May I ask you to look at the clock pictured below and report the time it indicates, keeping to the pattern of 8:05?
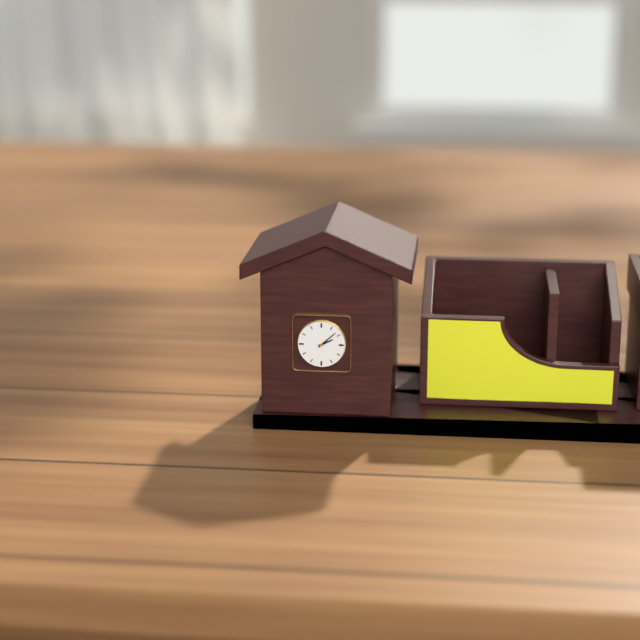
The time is 2:08
